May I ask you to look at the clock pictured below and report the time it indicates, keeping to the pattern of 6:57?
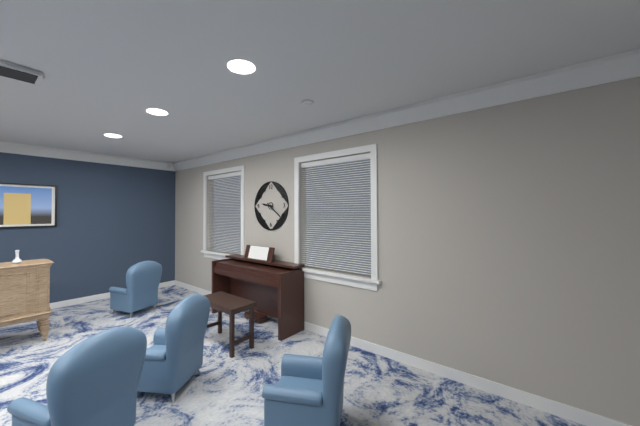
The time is 9:21
